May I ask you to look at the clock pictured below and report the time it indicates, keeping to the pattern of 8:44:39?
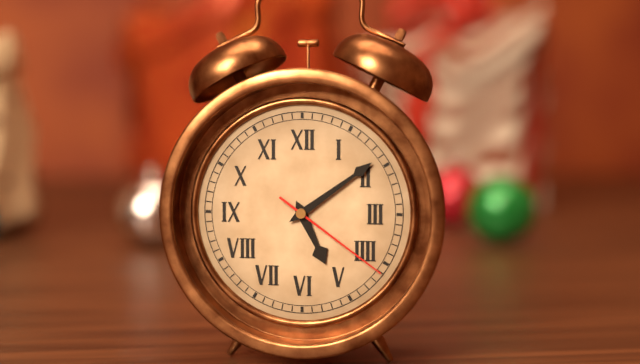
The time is 5:09:21
